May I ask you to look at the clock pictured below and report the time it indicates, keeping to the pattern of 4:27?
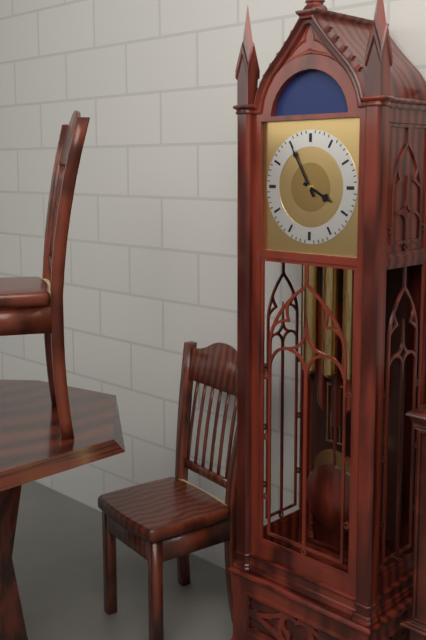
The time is 3:55
